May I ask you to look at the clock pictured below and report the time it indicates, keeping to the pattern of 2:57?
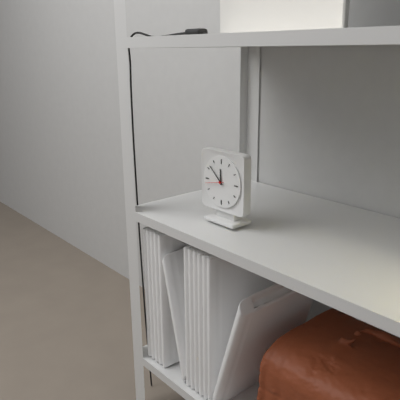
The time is 11:52
